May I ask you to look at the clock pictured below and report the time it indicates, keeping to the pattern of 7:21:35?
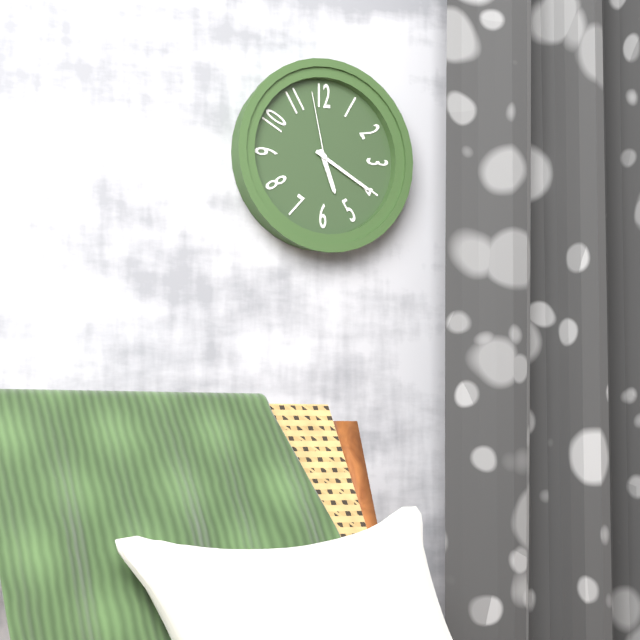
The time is 5:20:58
